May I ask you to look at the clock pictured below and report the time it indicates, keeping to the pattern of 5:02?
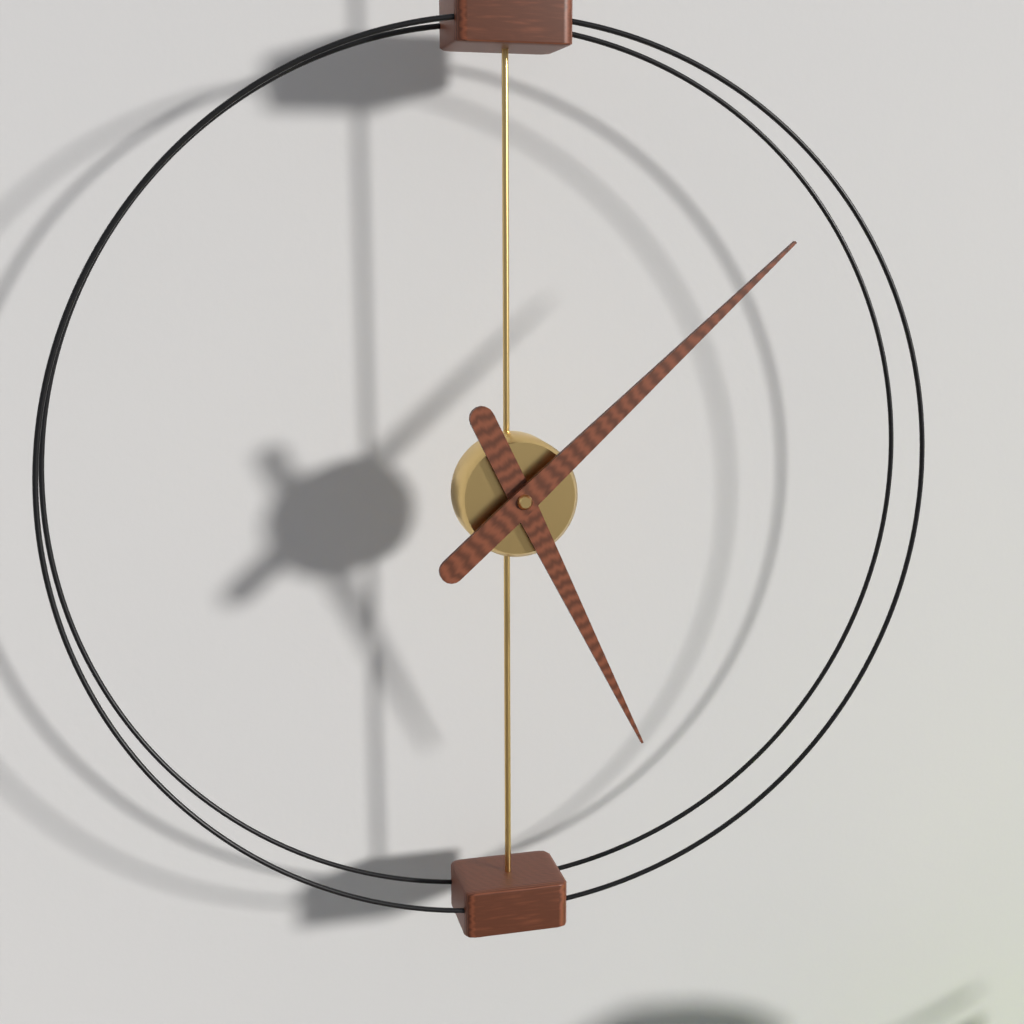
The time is 5:08
